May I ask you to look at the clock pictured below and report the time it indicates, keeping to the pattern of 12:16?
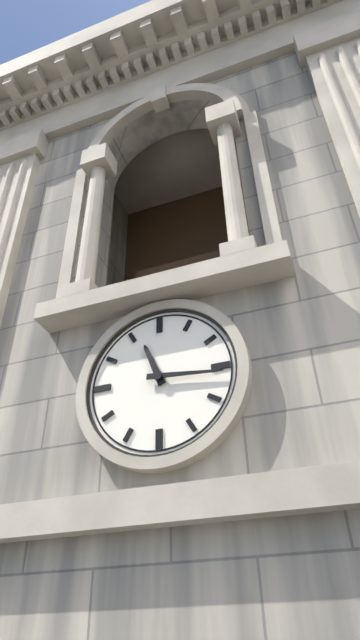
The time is 11:16
